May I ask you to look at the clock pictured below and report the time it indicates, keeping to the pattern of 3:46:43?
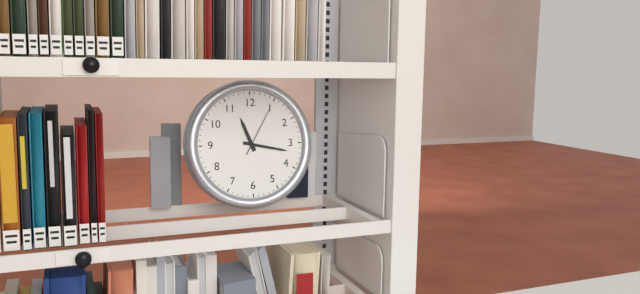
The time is 11:17:05
